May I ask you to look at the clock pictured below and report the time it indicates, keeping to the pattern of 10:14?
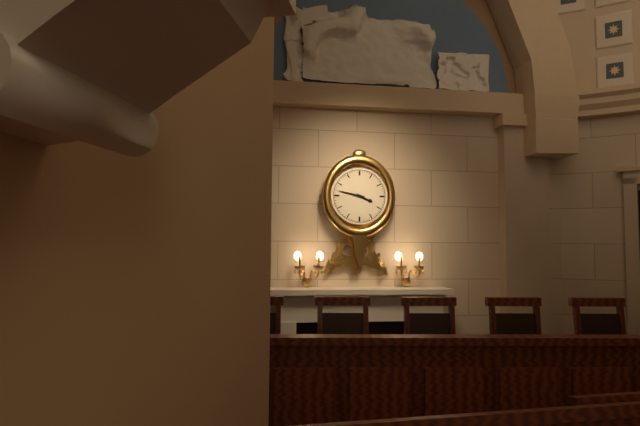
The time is 3:47
